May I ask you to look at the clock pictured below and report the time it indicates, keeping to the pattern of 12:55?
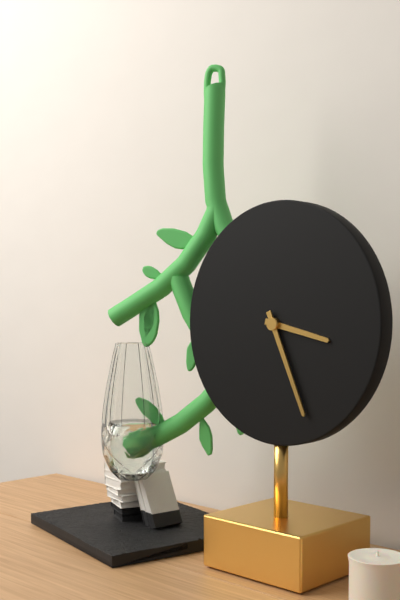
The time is 3:26
